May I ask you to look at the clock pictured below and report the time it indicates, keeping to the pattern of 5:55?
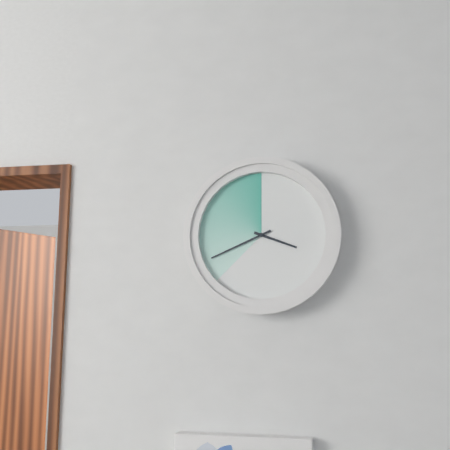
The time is 3:41
